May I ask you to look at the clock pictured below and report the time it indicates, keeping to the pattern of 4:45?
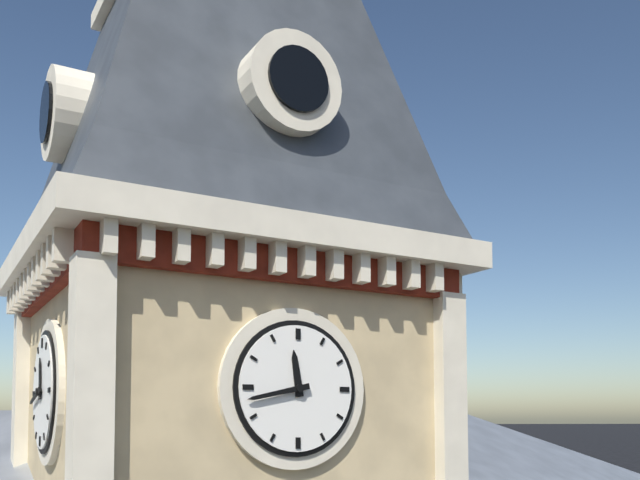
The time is 11:43
